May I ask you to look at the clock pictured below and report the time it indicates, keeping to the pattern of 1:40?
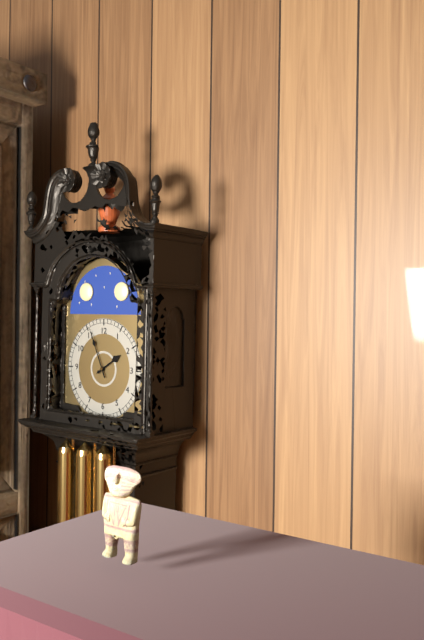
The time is 1:56
